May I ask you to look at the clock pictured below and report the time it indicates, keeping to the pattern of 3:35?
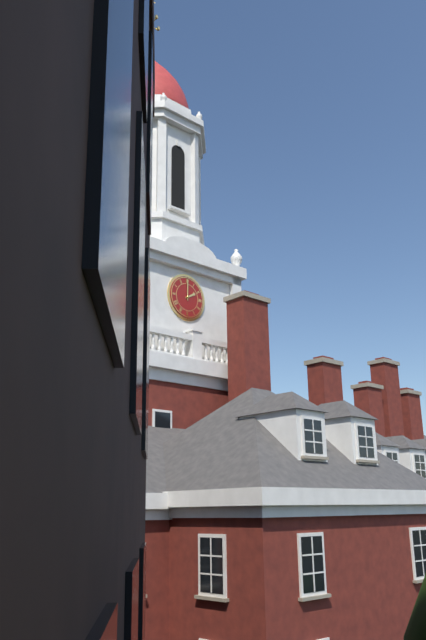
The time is 2:00
